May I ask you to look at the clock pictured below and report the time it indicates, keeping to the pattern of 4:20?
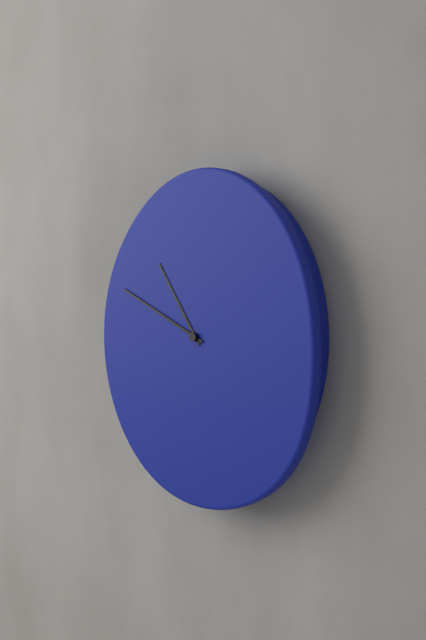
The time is 10:49
